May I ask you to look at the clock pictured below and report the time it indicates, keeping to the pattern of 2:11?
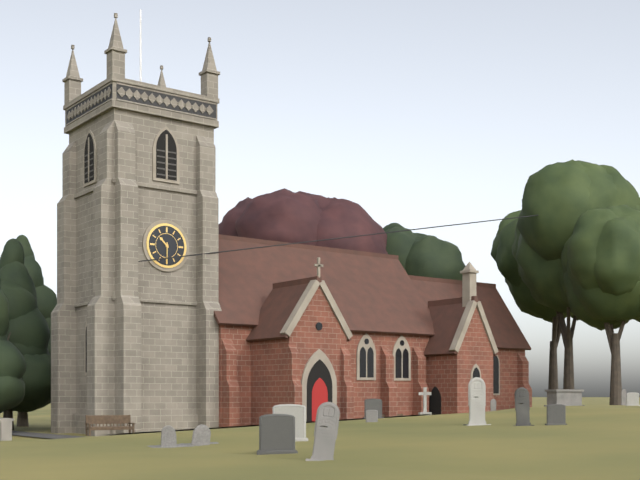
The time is 10:30
